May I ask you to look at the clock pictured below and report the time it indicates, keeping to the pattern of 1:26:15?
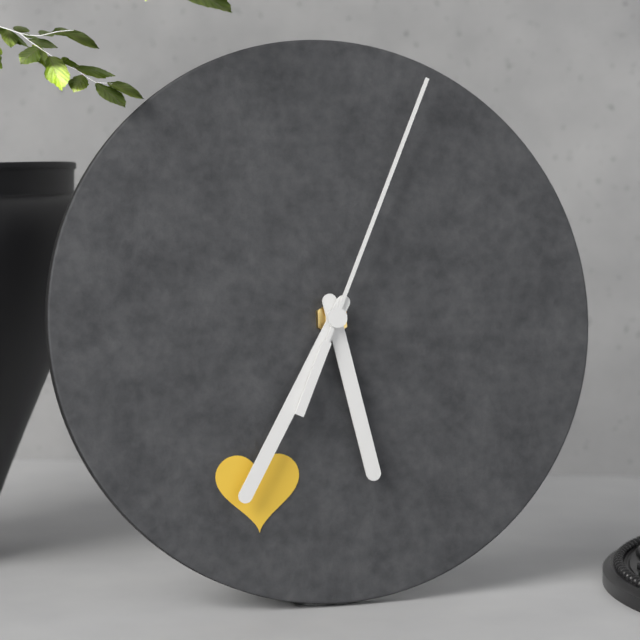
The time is 5:35:04
